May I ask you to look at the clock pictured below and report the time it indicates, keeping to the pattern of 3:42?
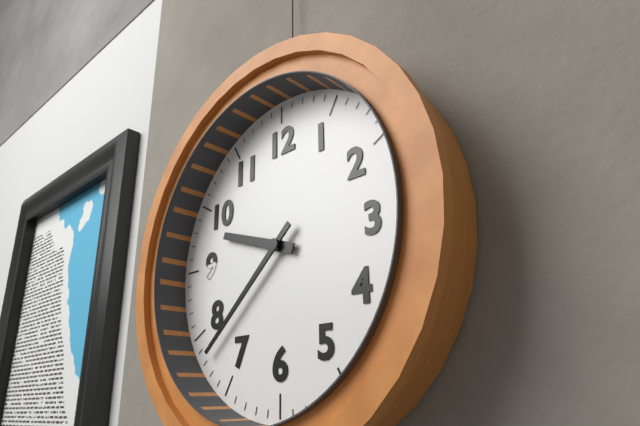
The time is 9:38
